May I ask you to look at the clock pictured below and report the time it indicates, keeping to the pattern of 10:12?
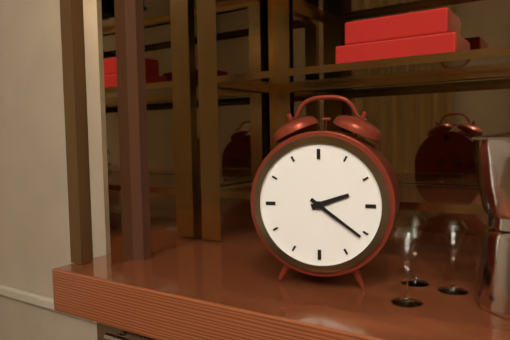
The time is 2:21
